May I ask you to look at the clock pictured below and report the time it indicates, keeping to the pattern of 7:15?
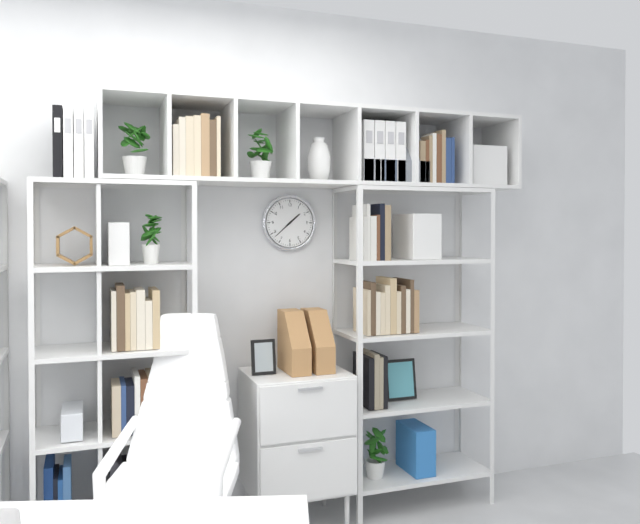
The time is 1:38
